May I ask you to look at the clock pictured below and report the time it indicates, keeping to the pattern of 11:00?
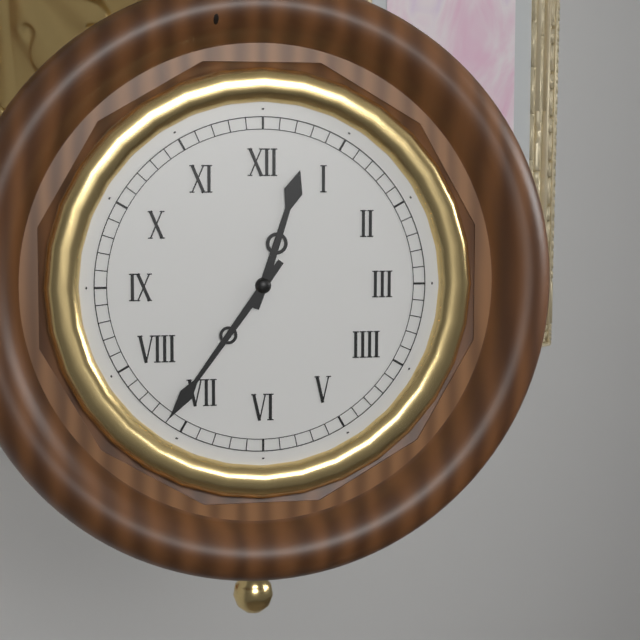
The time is 12:36
